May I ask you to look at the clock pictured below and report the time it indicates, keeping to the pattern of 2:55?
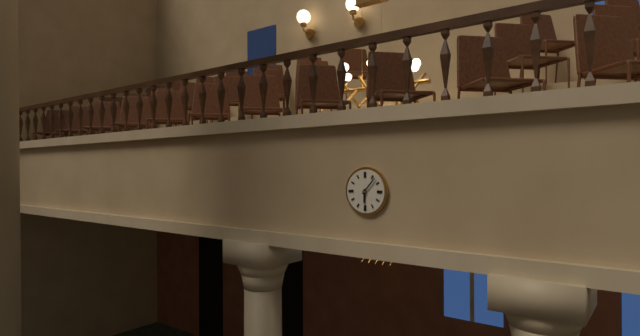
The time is 6:07
